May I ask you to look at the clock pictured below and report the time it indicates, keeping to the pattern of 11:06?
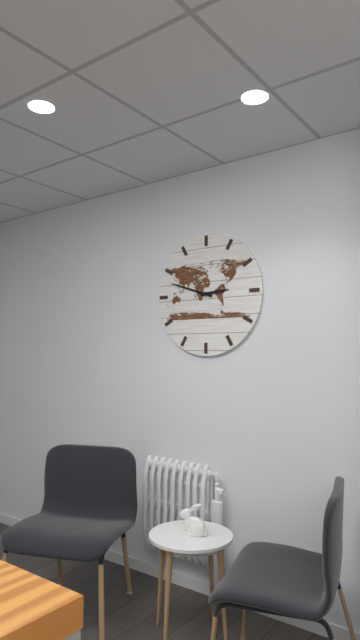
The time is 2:48
